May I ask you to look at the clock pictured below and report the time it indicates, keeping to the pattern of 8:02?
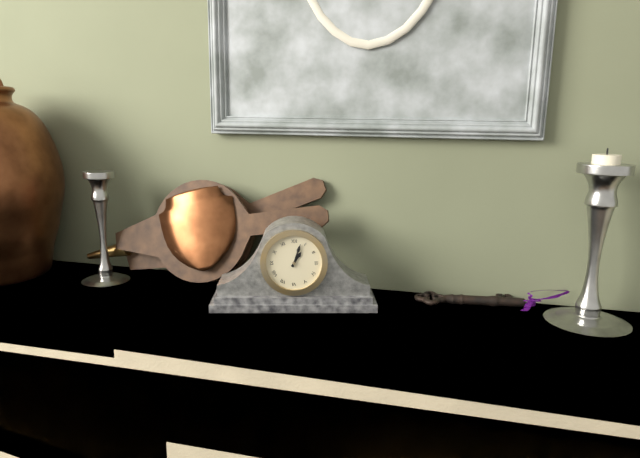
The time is 1:03
